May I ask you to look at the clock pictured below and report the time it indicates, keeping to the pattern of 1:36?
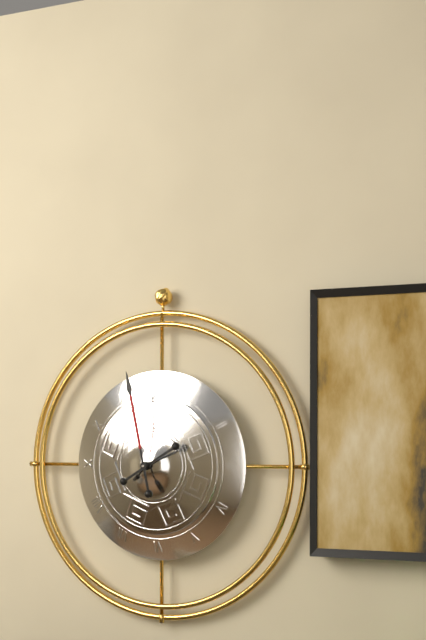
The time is 1:58
